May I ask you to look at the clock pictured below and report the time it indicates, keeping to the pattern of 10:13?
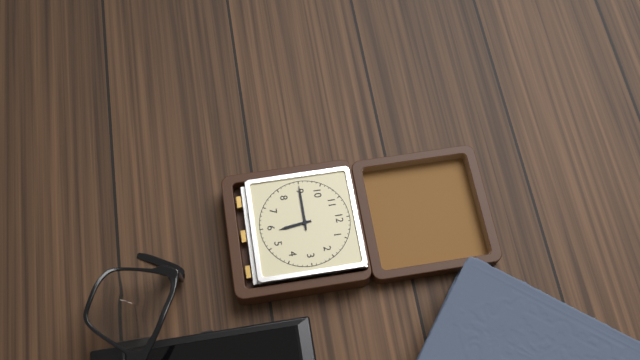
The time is 5:45
